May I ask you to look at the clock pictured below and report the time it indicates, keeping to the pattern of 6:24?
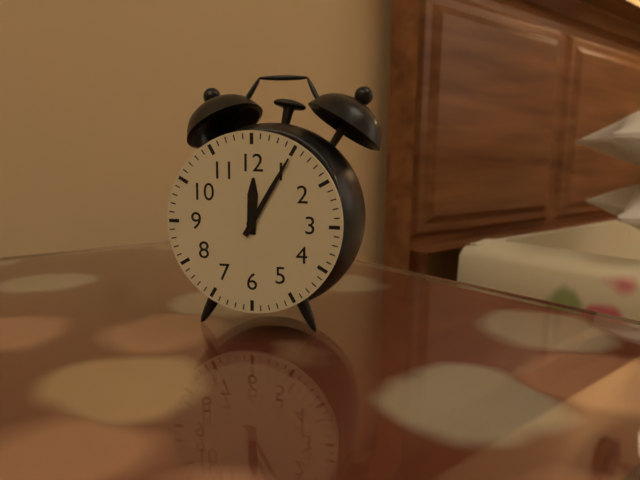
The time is 12:05
